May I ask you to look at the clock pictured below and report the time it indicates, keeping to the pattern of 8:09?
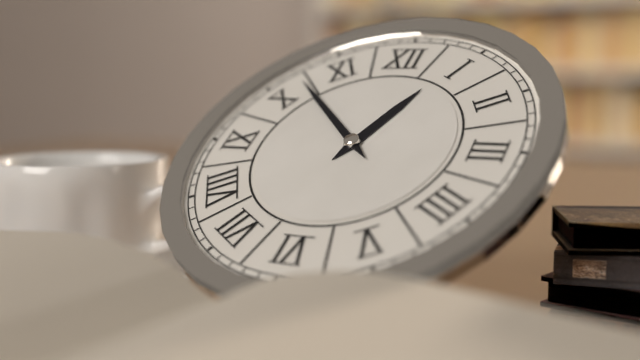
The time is 12:52
